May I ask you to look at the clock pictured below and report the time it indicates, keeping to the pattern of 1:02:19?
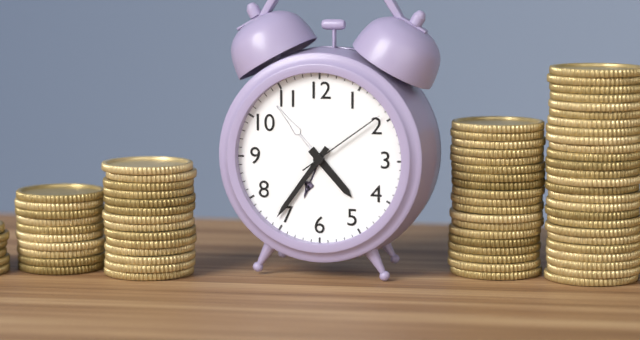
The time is 4:36:09
